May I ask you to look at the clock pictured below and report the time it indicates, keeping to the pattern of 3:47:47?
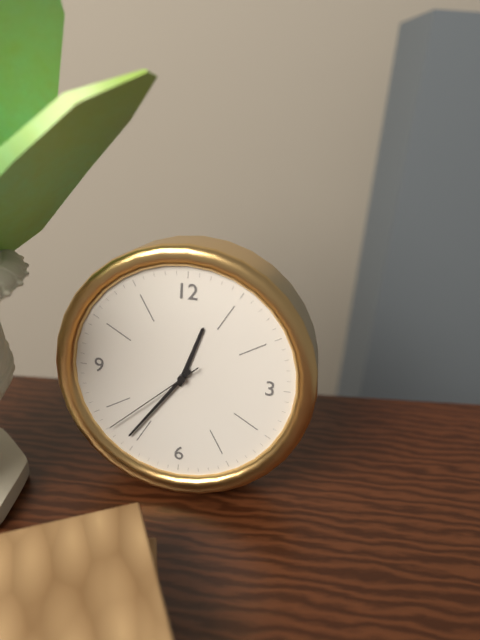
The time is 12:36:38
